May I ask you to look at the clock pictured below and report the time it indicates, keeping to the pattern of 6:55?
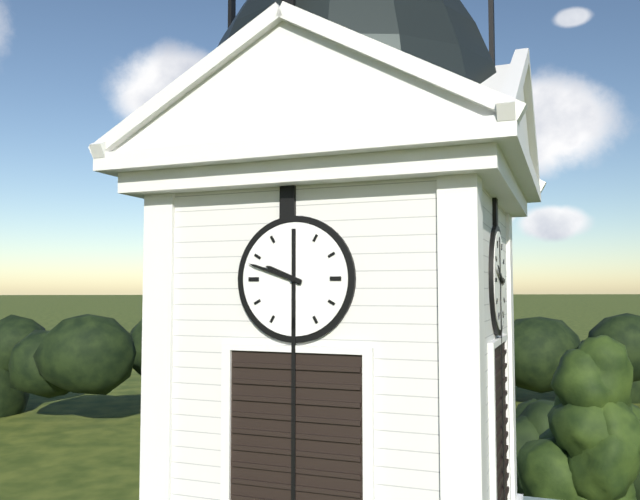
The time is 9:48
